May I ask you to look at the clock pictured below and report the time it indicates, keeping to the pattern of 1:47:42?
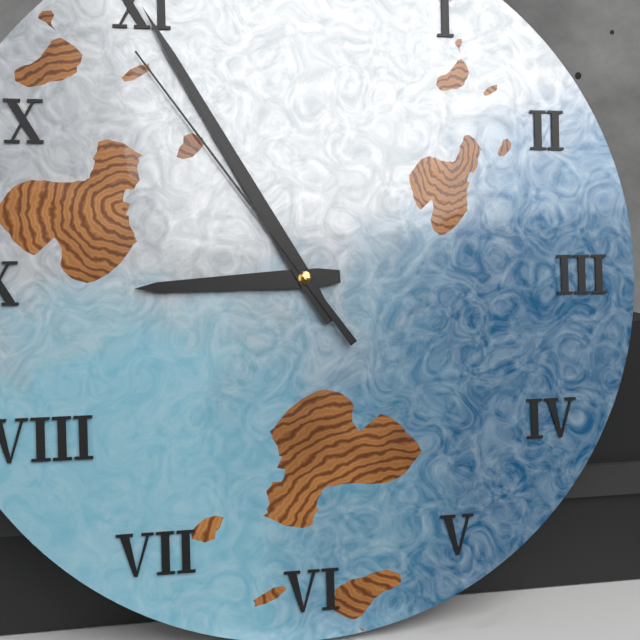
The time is 8:55:54
